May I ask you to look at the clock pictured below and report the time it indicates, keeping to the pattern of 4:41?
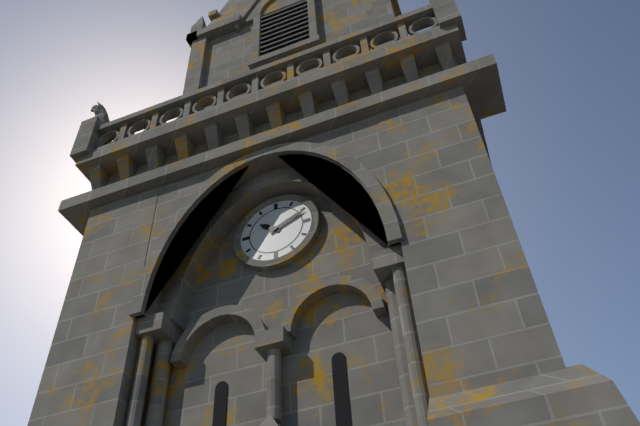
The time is 10:11
